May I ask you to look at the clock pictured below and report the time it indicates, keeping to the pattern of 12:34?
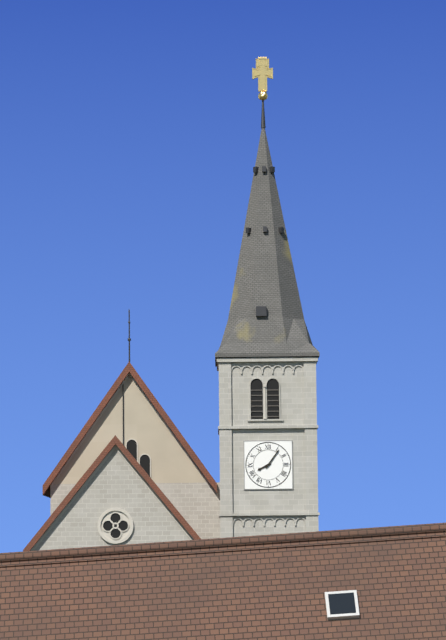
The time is 8:06
